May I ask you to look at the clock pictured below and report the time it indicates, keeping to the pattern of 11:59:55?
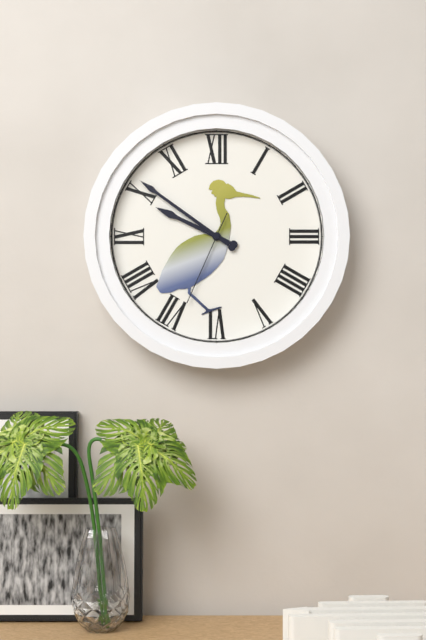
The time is 9:51:34
